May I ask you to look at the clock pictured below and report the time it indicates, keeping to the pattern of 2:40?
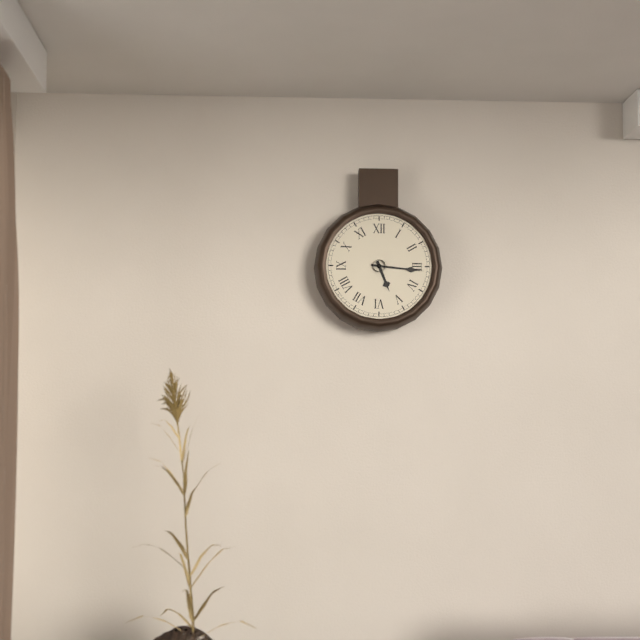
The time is 5:16
